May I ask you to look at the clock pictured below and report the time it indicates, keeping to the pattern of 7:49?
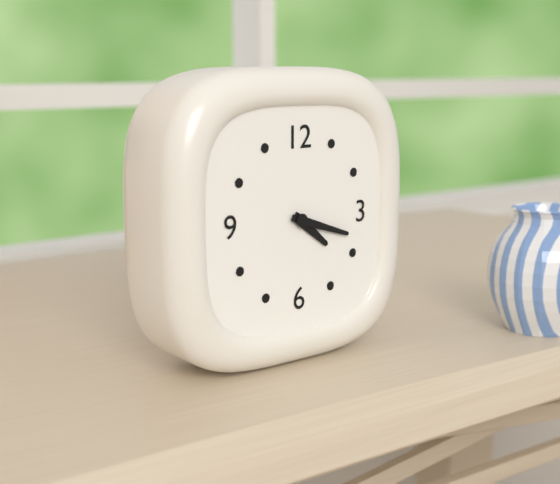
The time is 4:18
